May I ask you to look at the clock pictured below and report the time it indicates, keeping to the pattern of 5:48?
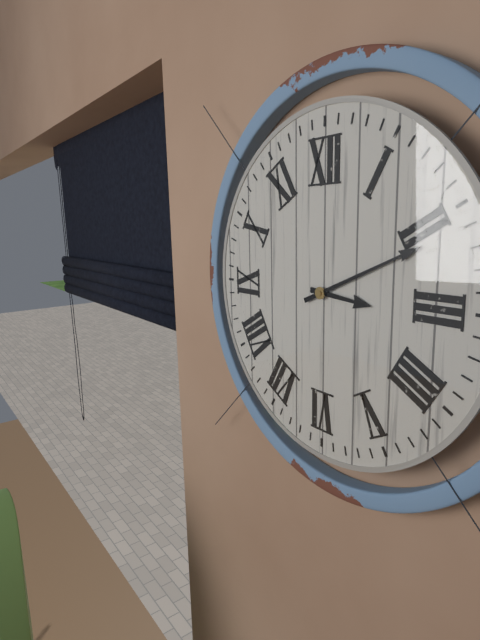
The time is 3:11
